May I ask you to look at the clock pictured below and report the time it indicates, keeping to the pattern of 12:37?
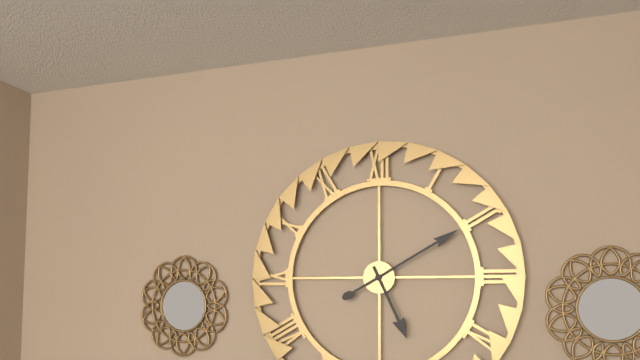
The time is 5:10
